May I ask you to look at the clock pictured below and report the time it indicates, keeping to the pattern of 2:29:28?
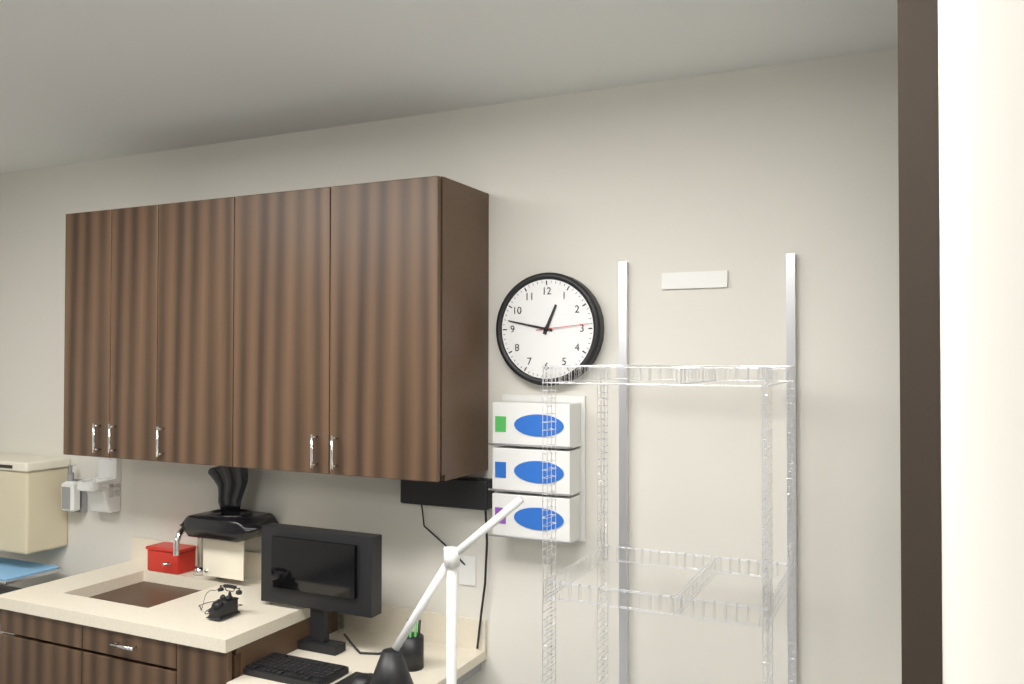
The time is 12:47:14
